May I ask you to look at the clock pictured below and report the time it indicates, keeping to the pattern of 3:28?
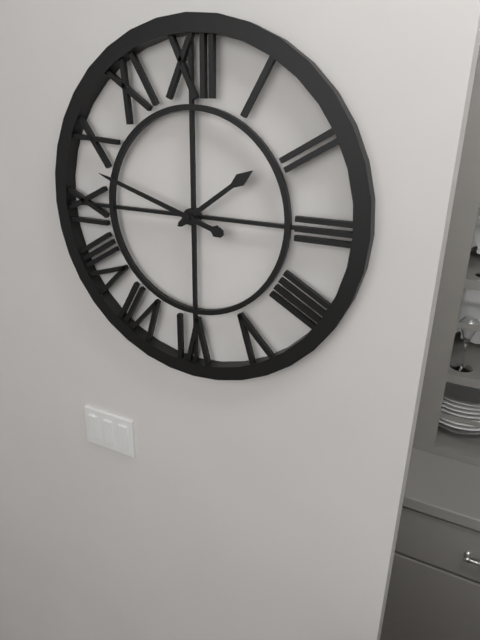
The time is 1:48
